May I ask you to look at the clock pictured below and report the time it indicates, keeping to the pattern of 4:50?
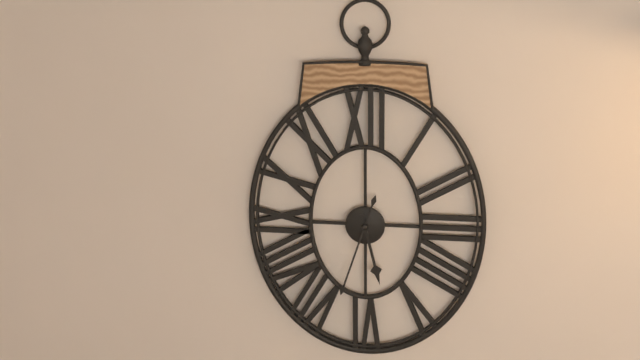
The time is 5:33
